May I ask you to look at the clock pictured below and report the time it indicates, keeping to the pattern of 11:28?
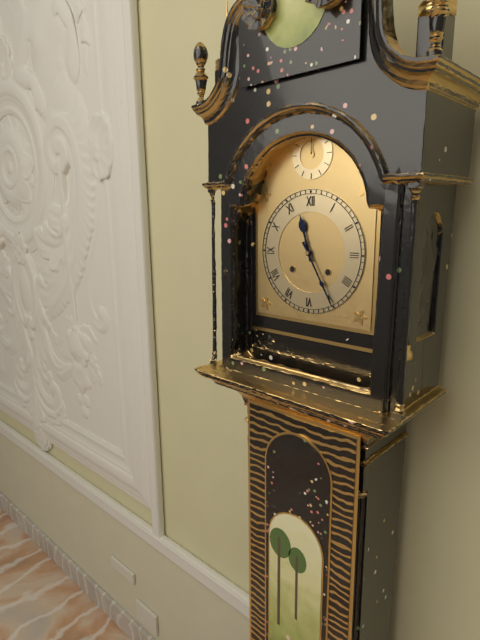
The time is 11:25
